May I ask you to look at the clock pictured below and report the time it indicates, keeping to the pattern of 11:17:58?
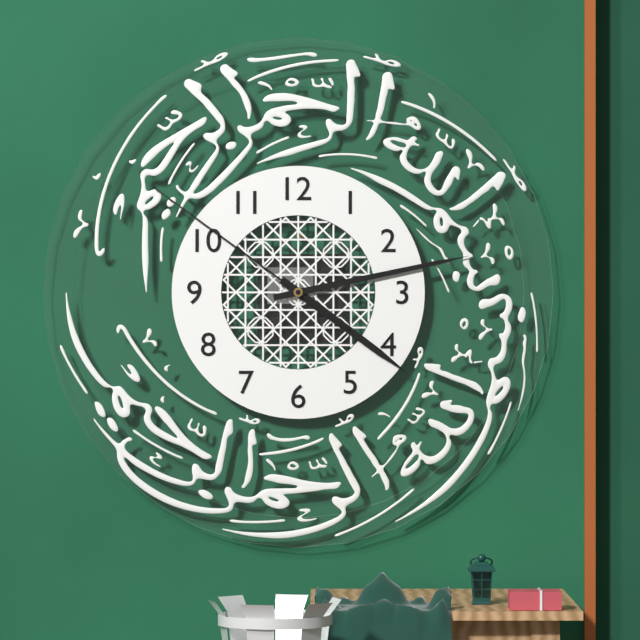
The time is 4:13:51
